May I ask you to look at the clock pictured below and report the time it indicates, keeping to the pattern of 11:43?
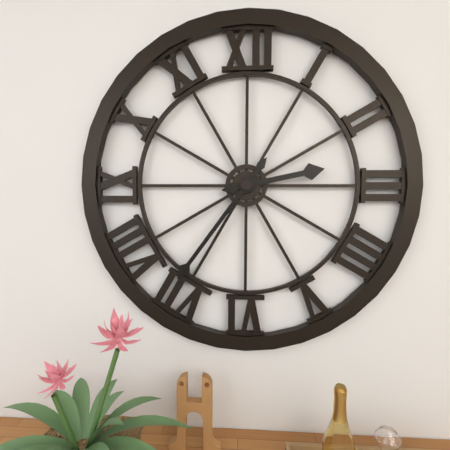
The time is 2:36
